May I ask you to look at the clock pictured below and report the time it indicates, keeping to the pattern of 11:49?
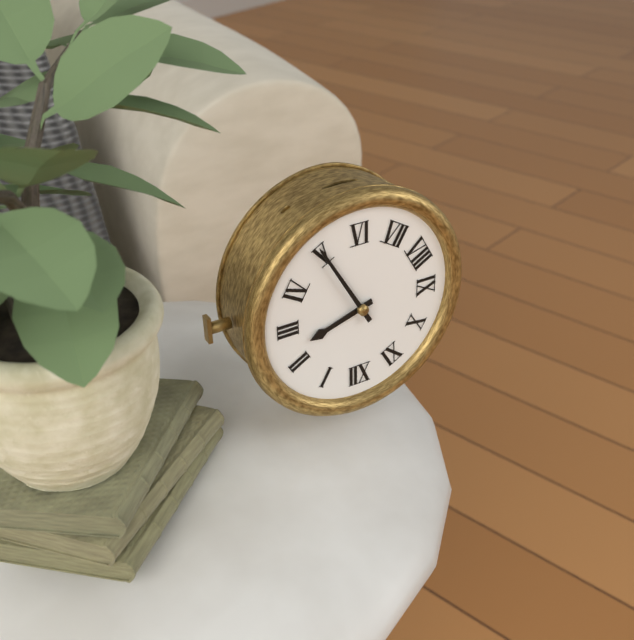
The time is 2:25
